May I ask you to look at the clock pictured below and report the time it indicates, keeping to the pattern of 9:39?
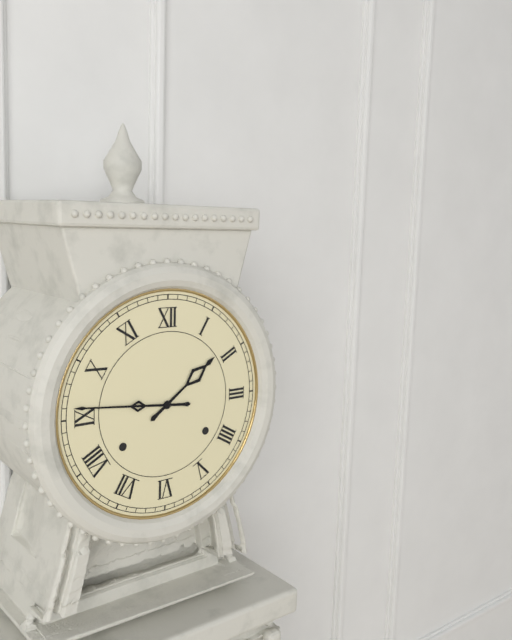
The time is 1:46
